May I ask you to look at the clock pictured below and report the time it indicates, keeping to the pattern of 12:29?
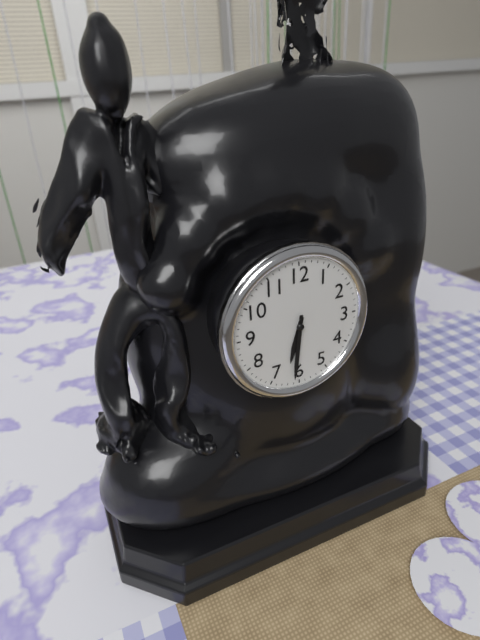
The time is 6:31
